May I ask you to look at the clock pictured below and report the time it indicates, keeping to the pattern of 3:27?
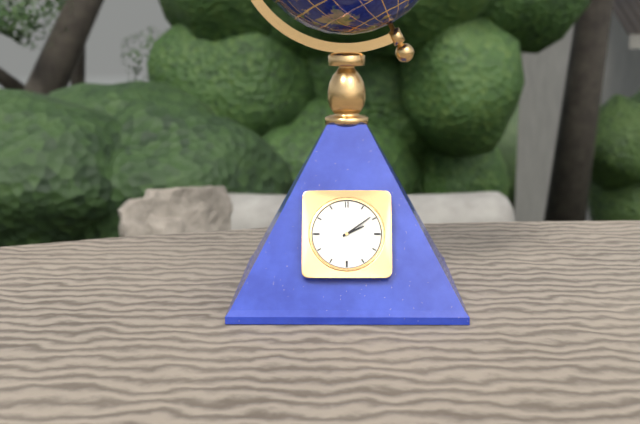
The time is 2:09
